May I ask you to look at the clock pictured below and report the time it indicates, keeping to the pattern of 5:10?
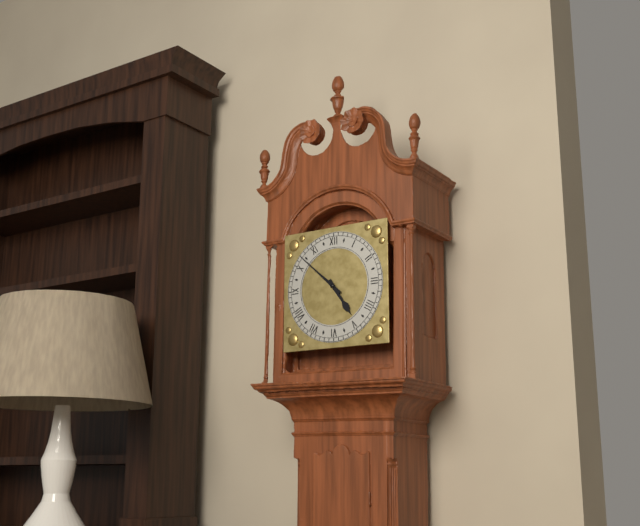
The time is 4:52
